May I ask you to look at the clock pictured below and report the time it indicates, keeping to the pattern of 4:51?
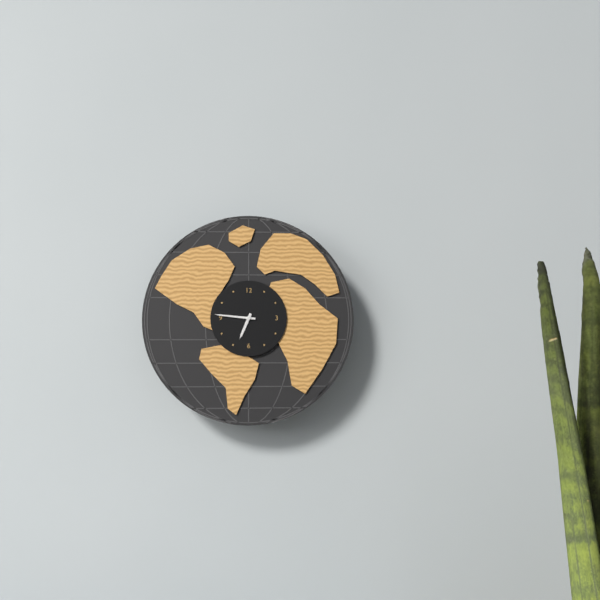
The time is 6:46
